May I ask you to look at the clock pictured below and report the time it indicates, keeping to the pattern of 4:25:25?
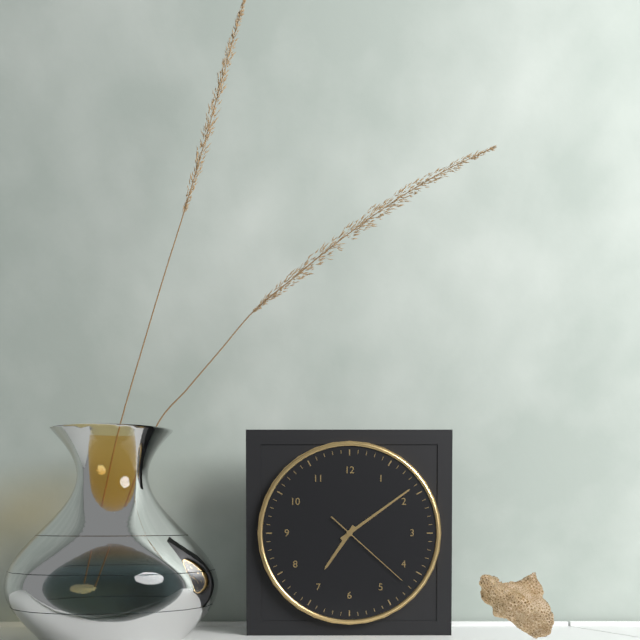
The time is 7:09:22
